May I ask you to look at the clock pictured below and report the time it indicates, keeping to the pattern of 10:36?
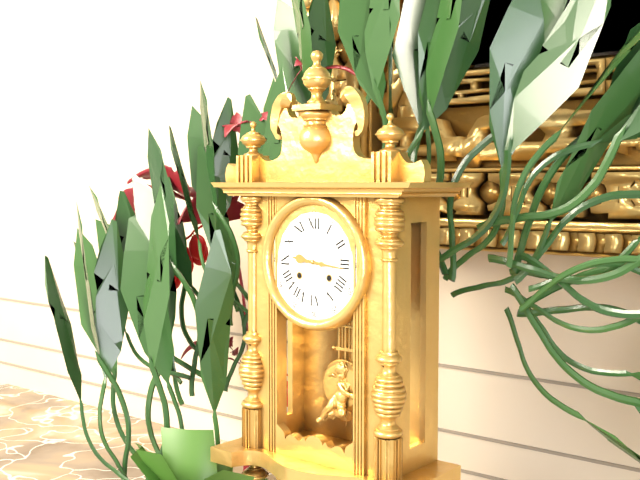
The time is 9:16
